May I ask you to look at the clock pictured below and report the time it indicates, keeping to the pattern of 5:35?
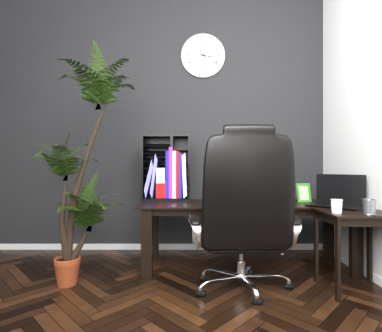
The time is 3:21
